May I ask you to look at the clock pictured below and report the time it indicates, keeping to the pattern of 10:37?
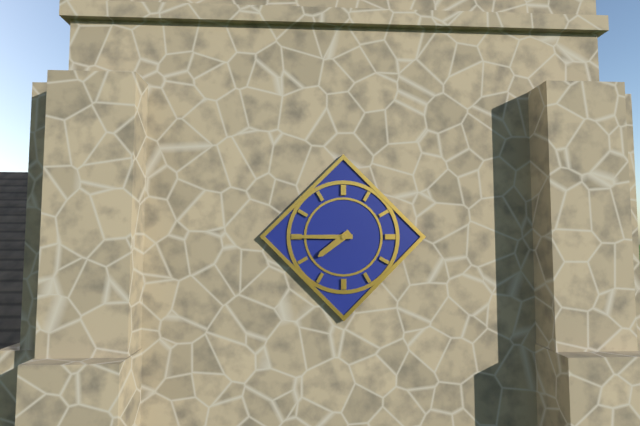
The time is 7:45
